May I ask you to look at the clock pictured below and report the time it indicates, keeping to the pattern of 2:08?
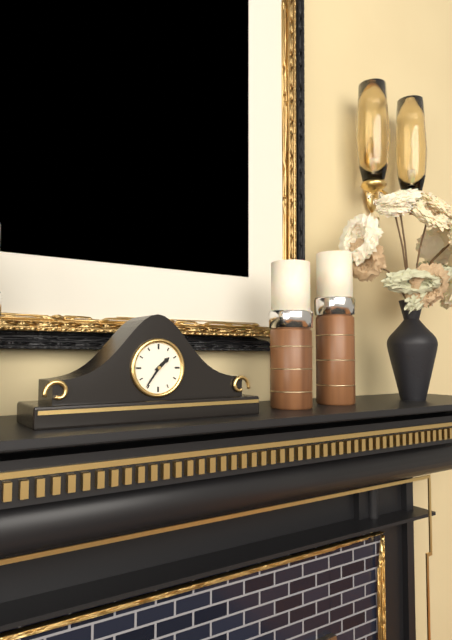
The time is 1:36
